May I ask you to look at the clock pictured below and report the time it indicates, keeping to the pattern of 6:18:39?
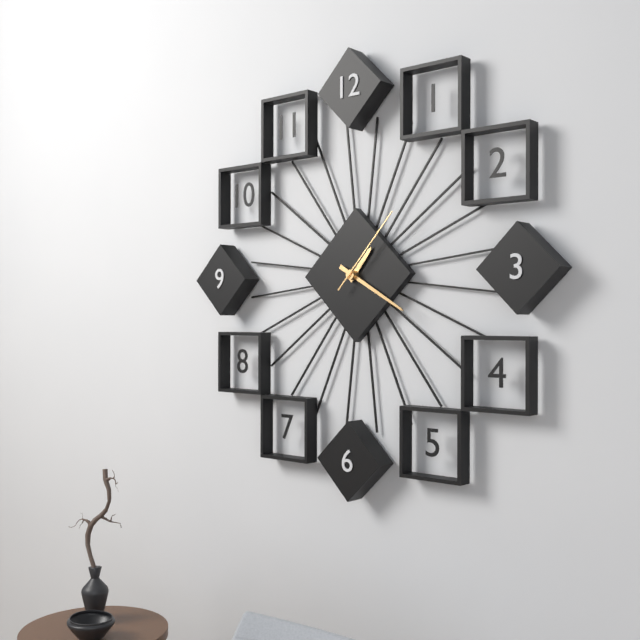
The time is 1:20:07
